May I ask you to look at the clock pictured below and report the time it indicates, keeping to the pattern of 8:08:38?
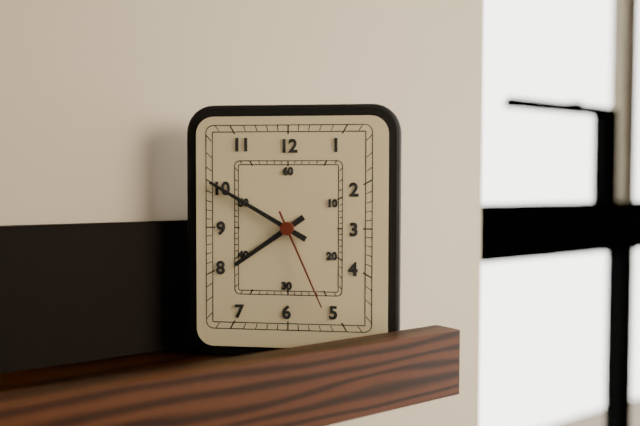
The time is 7:50:26
